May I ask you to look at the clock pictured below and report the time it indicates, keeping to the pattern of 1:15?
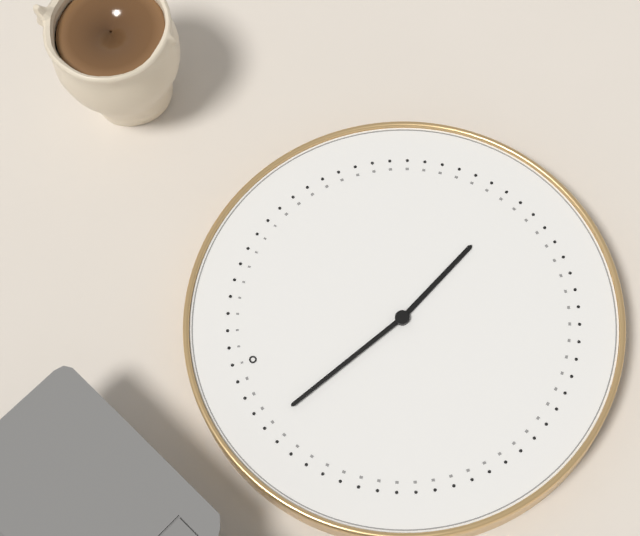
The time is 4:56
